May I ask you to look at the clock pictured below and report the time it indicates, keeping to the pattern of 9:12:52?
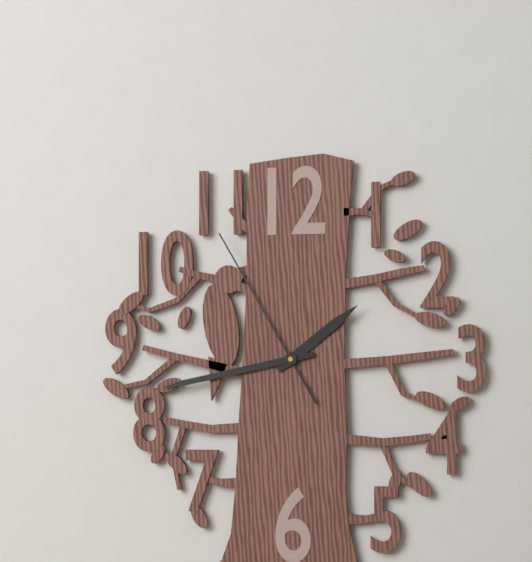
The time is 1:43:55
